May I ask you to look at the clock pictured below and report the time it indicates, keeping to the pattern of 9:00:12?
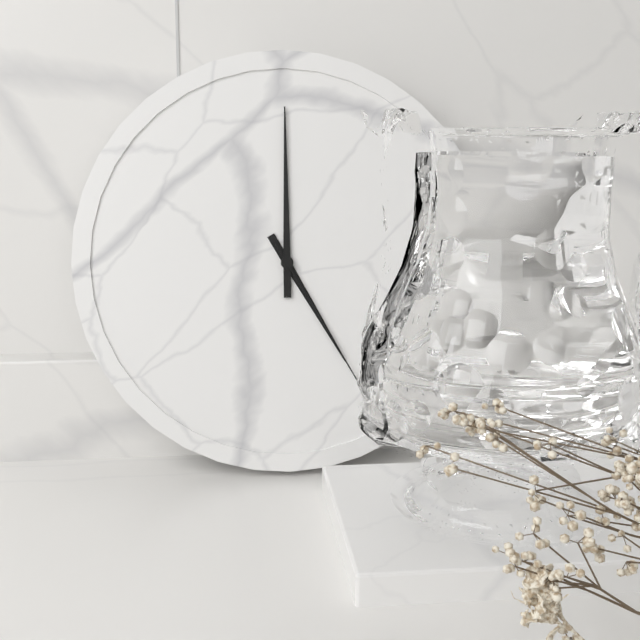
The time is 5:00:25
